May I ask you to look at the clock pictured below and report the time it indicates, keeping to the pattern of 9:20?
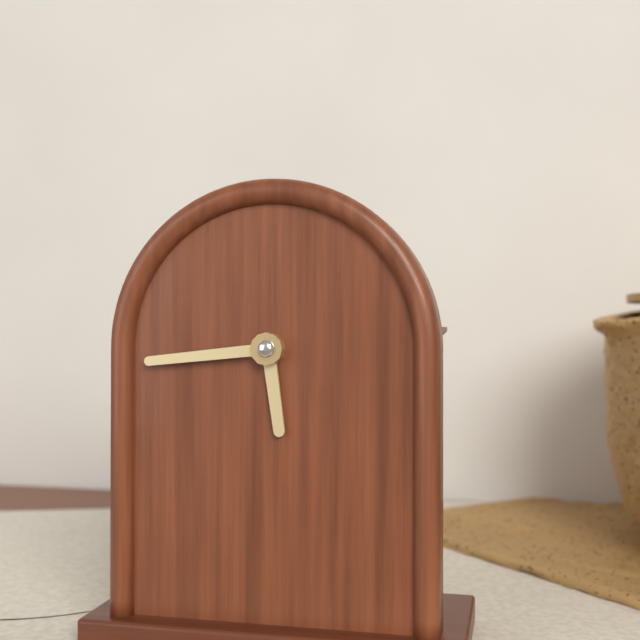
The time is 5:44
